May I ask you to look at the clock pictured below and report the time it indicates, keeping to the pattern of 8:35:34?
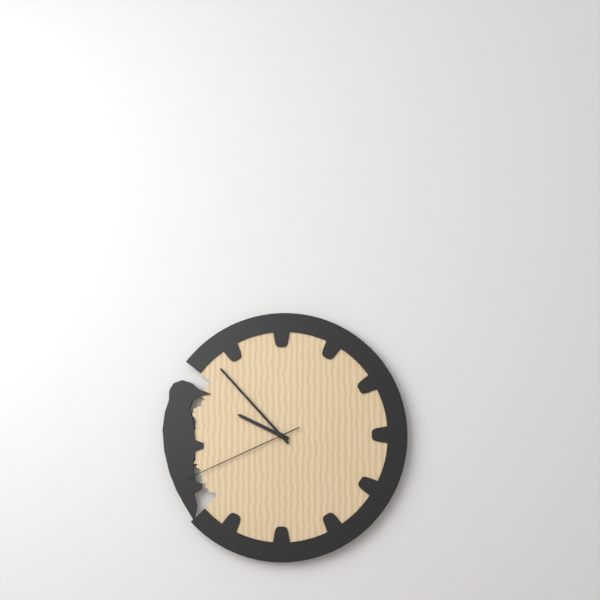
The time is 9:53:41
